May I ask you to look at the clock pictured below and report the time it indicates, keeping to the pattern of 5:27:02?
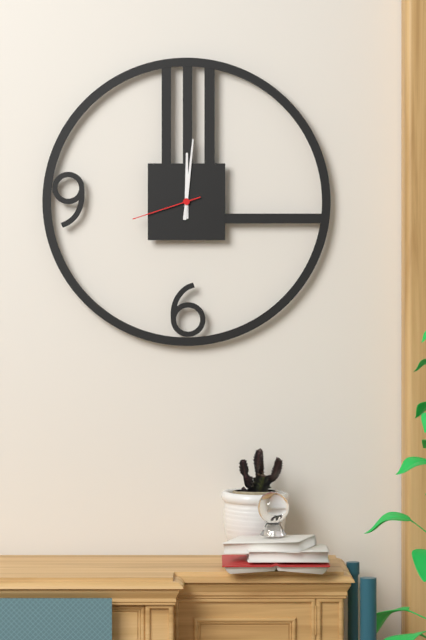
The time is 12:01:42
